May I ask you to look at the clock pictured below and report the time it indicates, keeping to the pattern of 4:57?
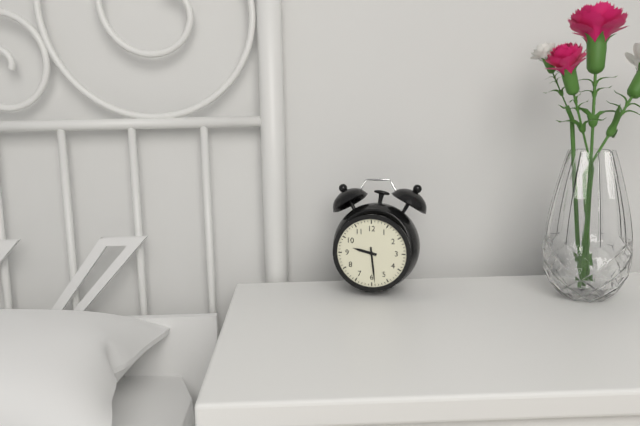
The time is 9:29
